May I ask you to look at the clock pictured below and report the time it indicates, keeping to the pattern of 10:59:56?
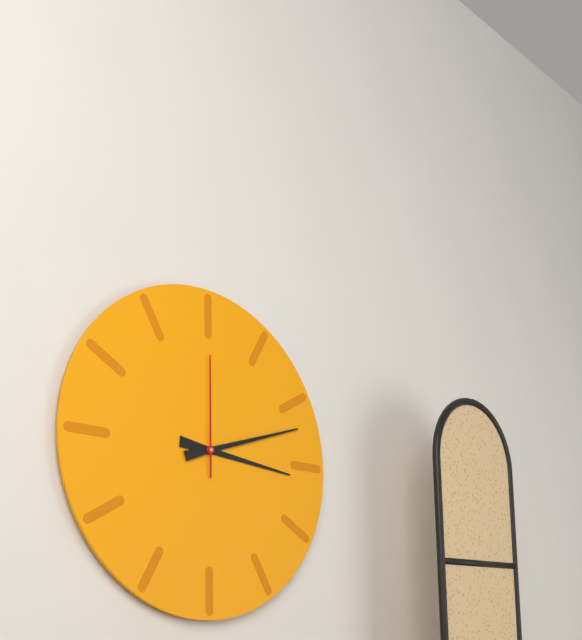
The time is 3:12:00
